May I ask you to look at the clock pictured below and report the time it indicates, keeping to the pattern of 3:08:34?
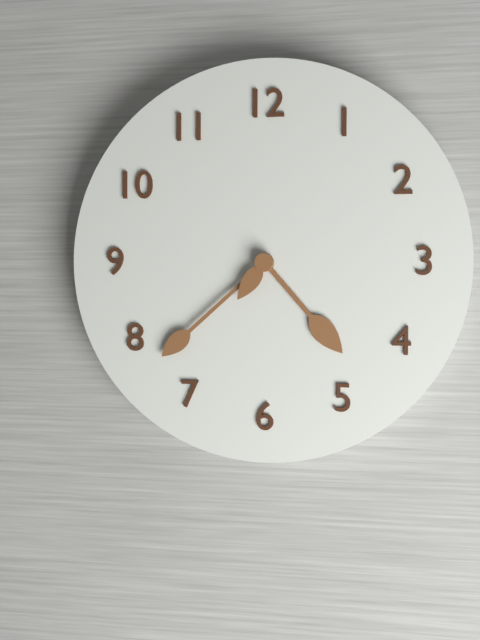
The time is 4:38:36
